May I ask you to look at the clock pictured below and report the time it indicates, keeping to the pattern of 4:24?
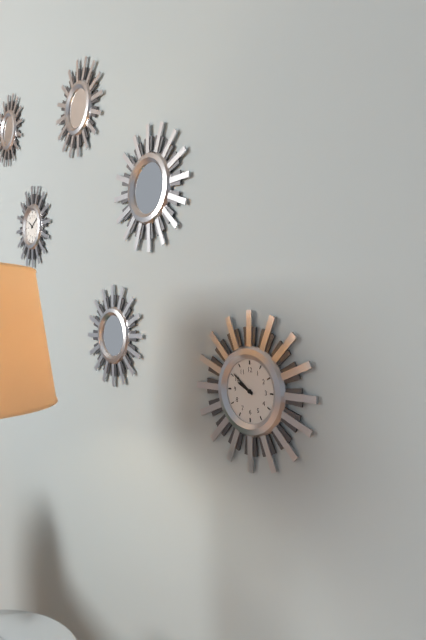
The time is 9:51
